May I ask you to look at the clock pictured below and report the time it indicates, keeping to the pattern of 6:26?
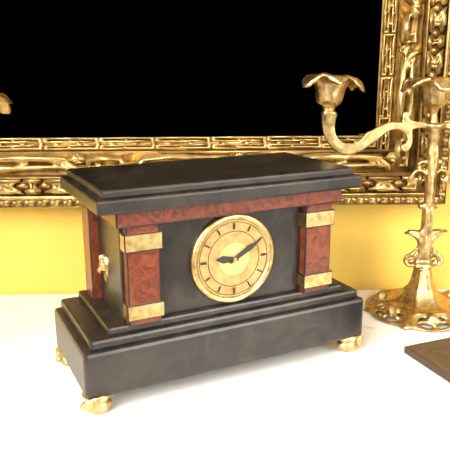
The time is 9:10
